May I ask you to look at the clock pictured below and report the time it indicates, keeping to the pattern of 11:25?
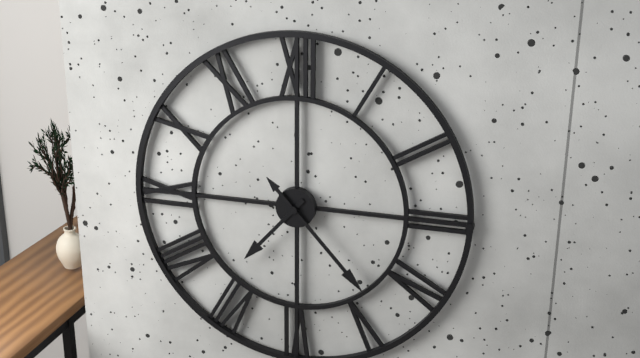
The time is 7:23
